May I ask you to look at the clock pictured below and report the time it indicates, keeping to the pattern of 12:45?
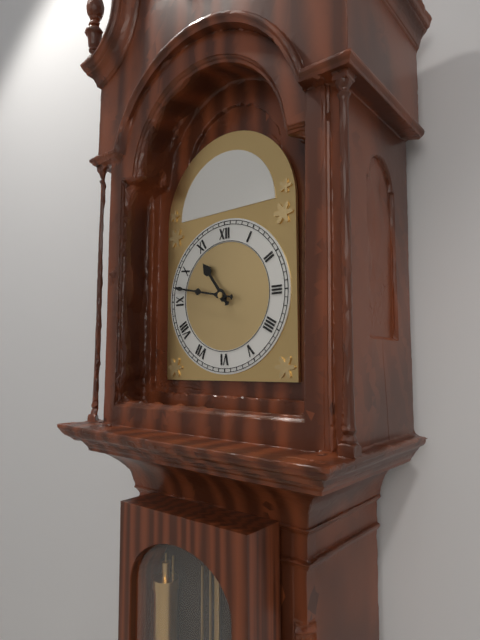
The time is 10:47
